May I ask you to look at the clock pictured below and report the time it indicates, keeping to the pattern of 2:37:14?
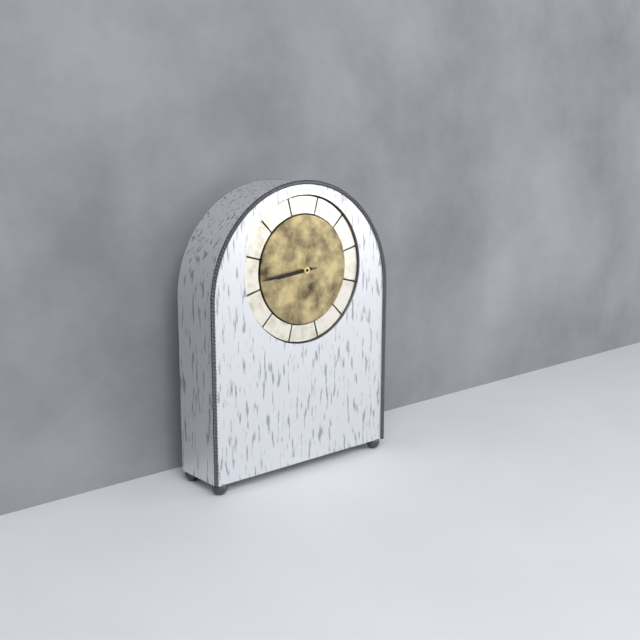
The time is 8:44:44
